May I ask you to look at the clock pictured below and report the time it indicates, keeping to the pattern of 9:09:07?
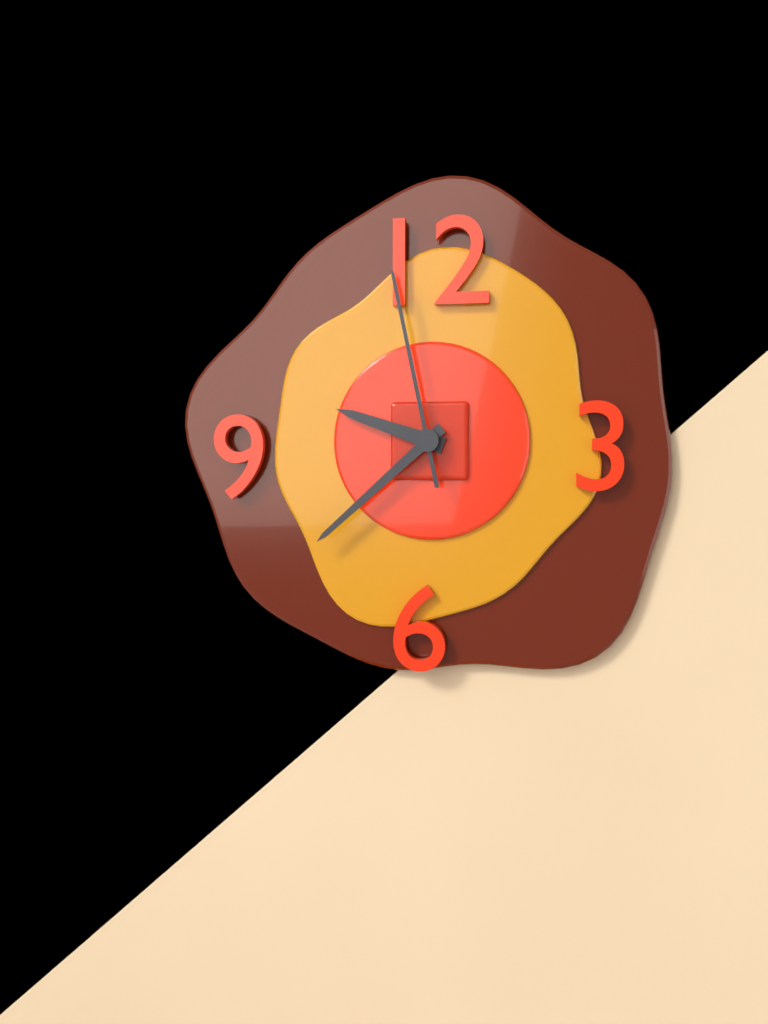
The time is 9:38:58
